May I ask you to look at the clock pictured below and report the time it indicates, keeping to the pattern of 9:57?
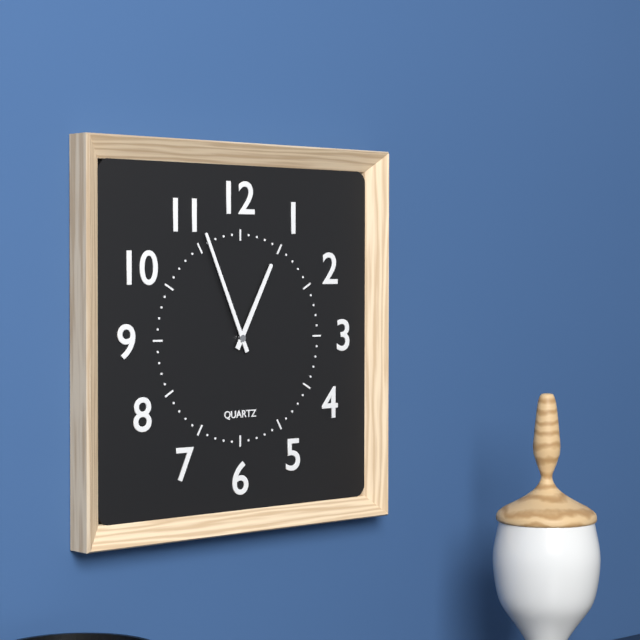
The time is 12:56
